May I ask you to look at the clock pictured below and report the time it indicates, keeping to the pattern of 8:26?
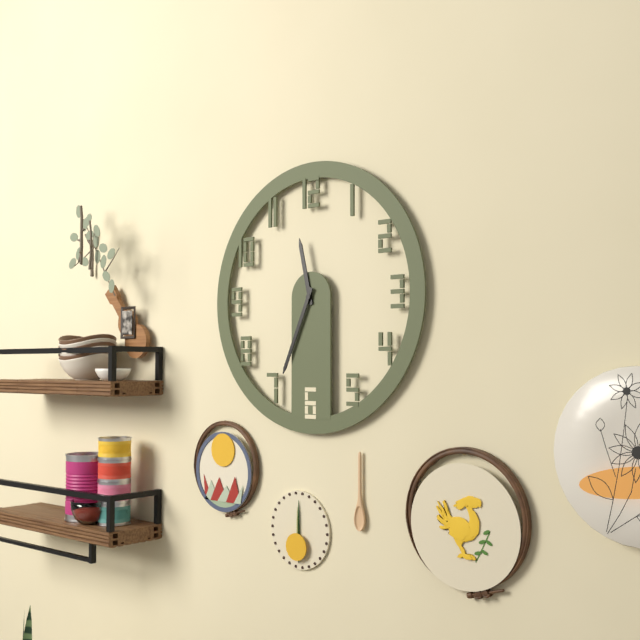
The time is 11:34
